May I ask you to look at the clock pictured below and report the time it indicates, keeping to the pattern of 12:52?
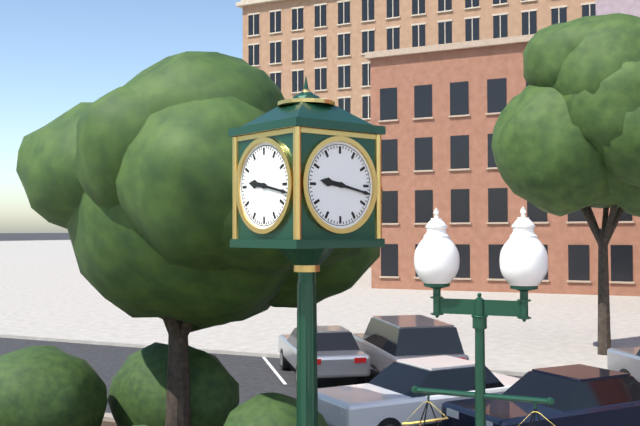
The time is 9:17
